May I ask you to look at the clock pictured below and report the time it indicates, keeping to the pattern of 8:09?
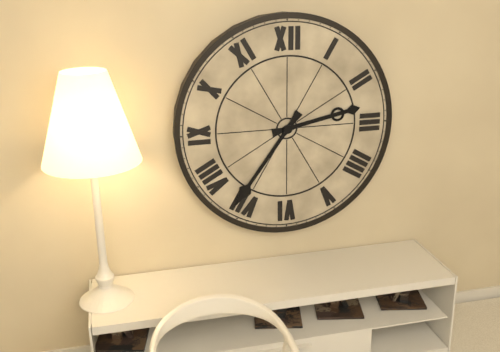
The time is 2:36
